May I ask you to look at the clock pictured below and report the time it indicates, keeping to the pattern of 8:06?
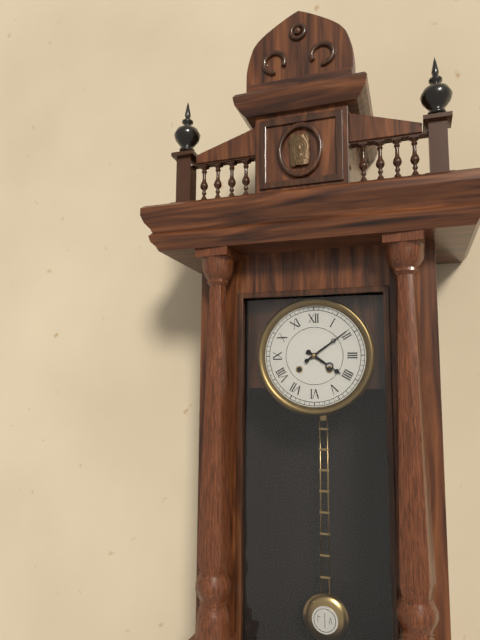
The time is 4:09
